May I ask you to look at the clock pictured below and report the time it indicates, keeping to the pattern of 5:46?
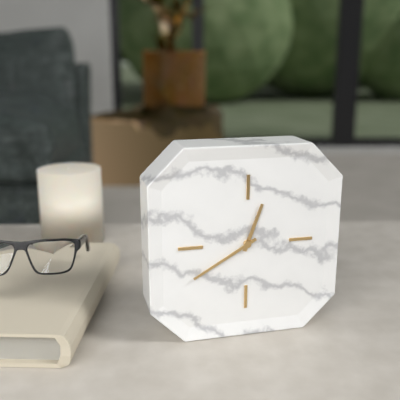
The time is 12:40
